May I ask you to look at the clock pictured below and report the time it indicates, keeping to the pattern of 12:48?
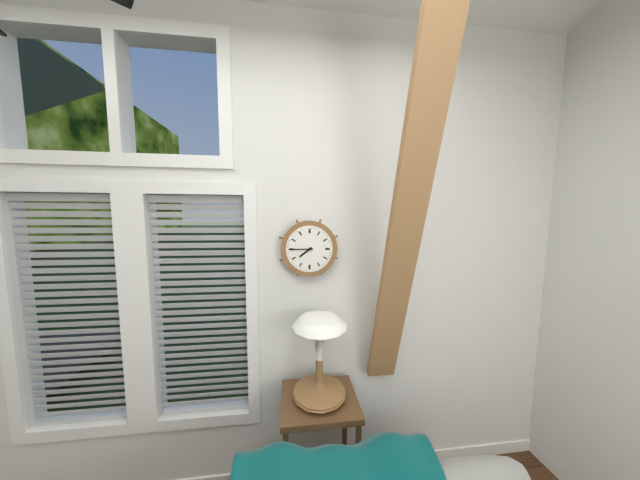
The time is 7:45
